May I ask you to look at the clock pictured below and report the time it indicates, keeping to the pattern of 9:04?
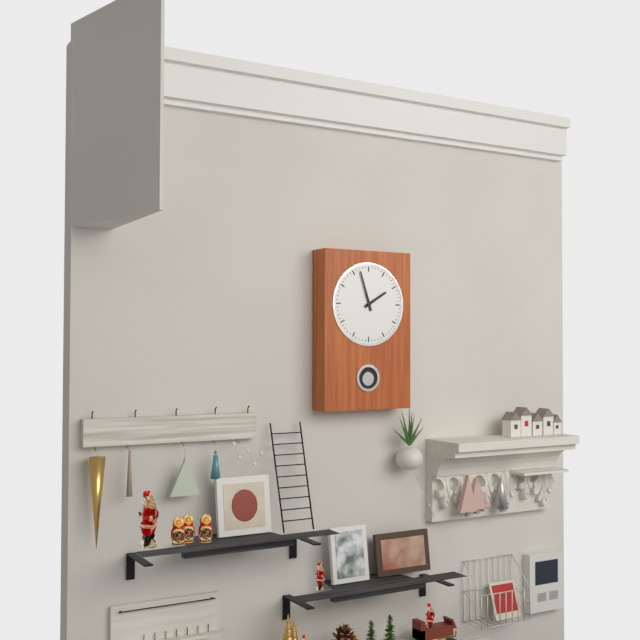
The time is 1:57
